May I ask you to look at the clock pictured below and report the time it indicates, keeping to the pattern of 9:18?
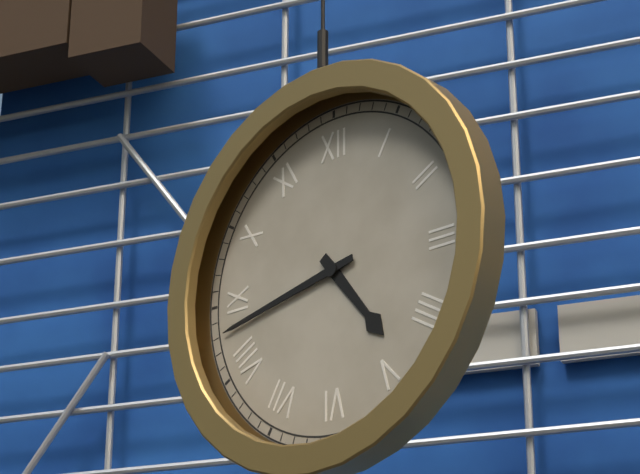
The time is 4:43
